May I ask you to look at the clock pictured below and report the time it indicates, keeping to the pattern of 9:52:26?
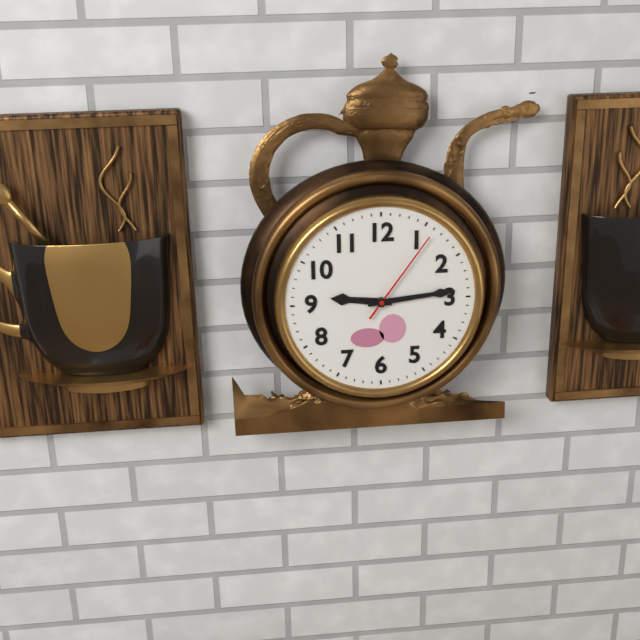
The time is 9:14:06
